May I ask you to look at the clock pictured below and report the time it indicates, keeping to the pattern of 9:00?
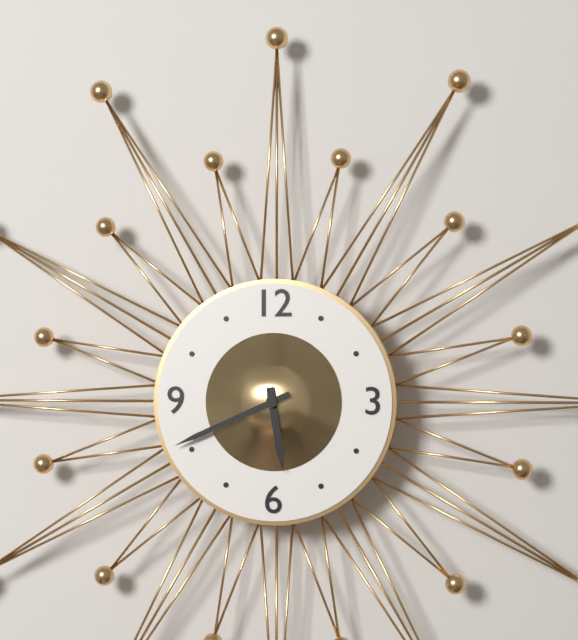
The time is 5:41
